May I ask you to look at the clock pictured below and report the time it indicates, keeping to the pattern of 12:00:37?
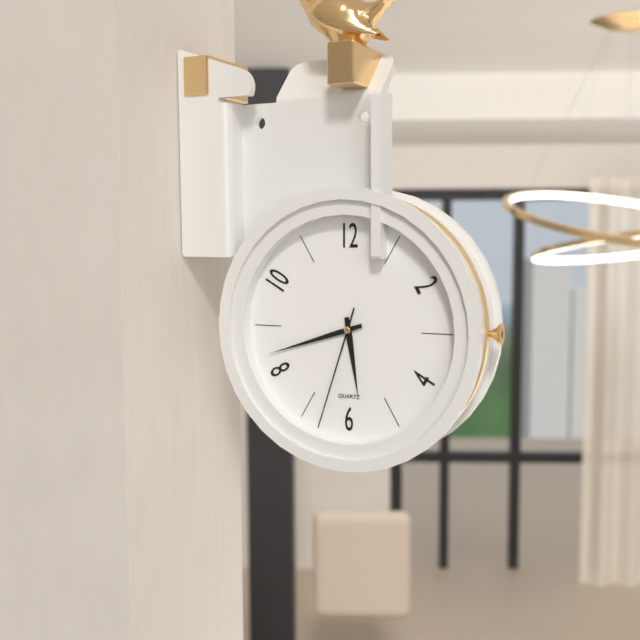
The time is 5:42:33
